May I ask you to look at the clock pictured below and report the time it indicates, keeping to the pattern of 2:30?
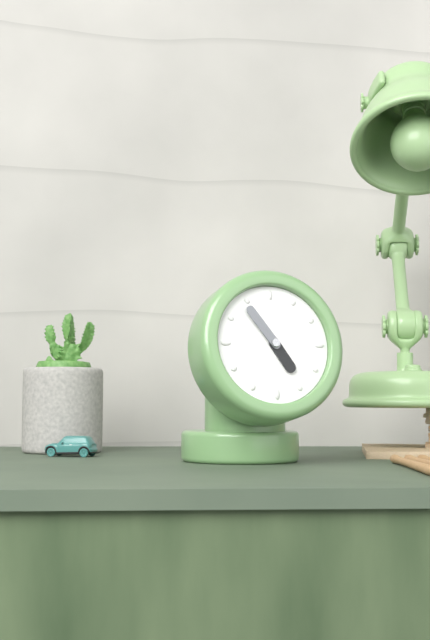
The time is 4:54
